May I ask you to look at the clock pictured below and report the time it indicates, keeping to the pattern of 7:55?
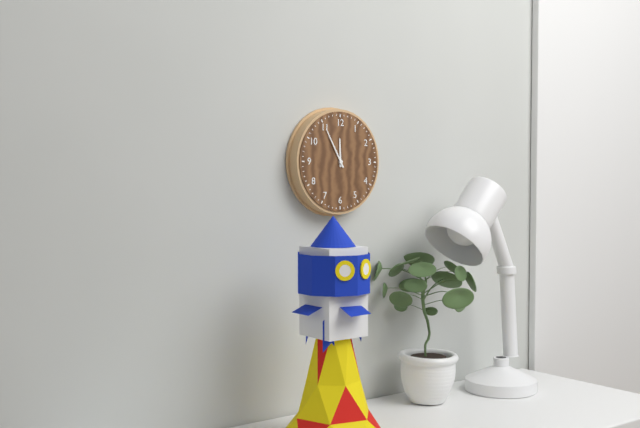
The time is 11:55
